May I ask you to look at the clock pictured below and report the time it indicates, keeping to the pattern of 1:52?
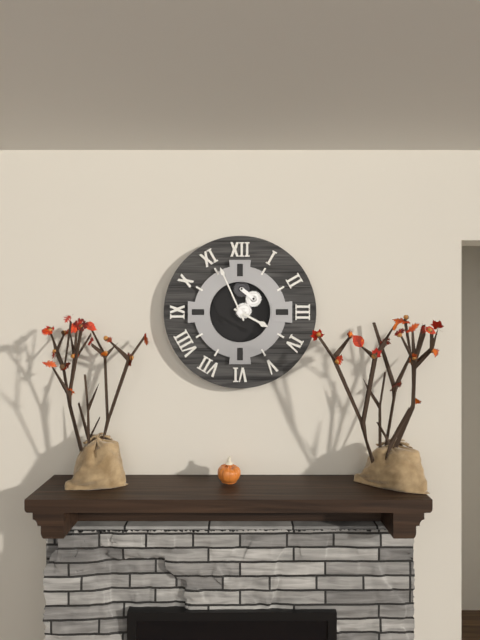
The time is 3:56
